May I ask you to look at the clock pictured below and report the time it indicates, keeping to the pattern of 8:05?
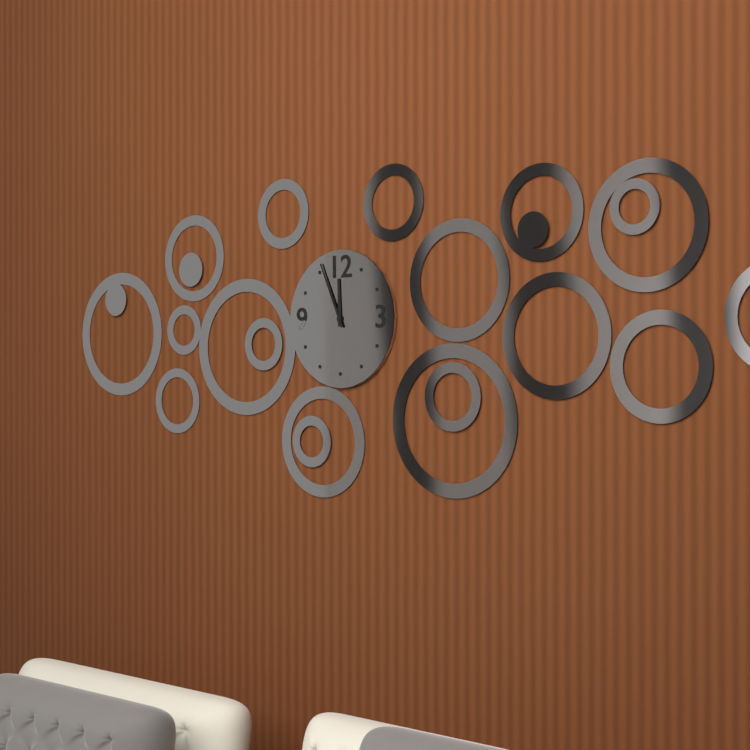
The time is 11:56
